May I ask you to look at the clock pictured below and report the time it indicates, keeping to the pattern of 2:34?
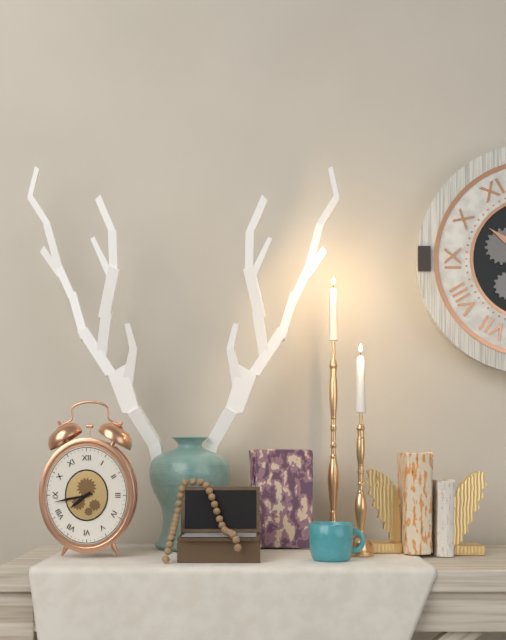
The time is 7:43
